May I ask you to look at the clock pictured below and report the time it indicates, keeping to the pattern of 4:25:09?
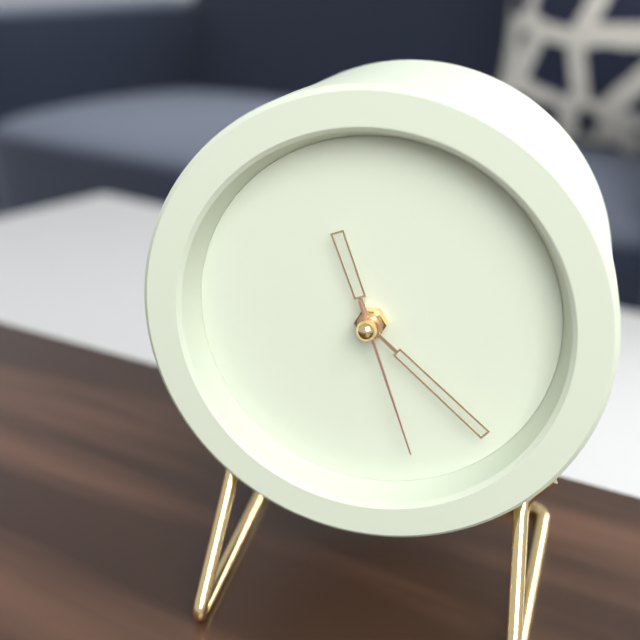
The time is 11:22:27
